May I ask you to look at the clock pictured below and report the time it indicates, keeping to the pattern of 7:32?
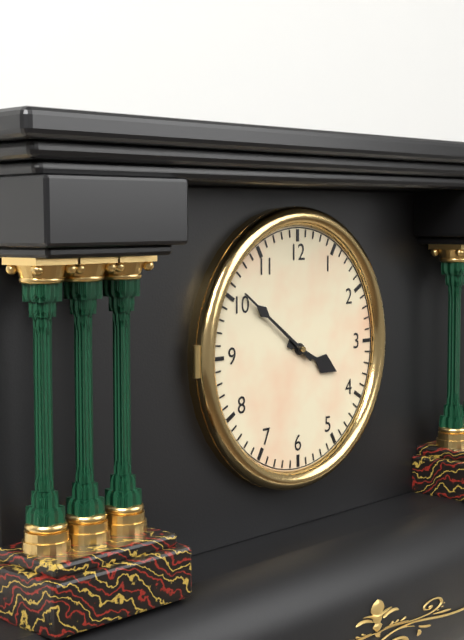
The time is 3:51
